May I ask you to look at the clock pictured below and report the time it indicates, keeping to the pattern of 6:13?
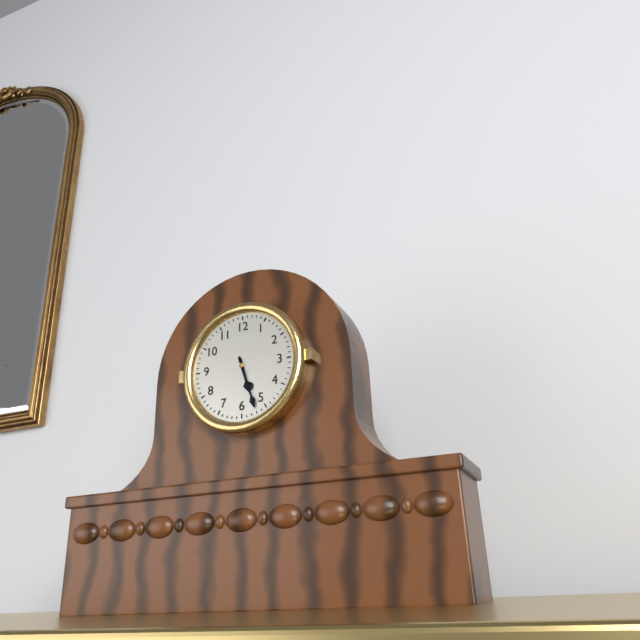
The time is 5:27
